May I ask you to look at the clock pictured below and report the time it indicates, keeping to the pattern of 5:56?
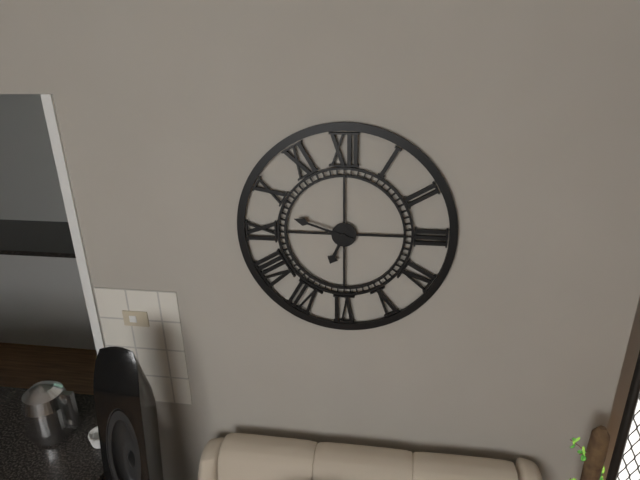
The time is 6:48
